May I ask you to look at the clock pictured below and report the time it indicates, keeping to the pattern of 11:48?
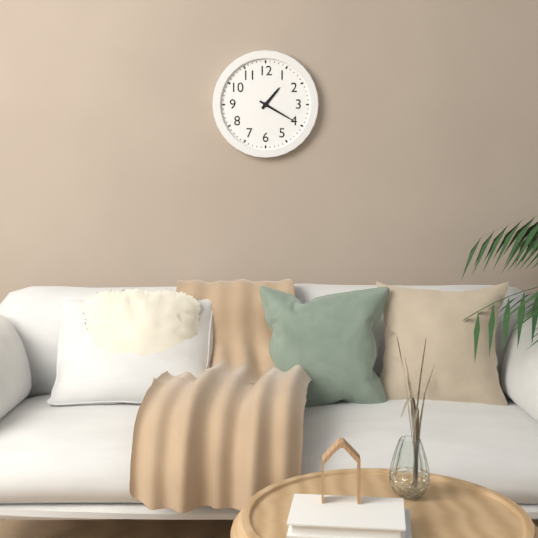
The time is 1:20
